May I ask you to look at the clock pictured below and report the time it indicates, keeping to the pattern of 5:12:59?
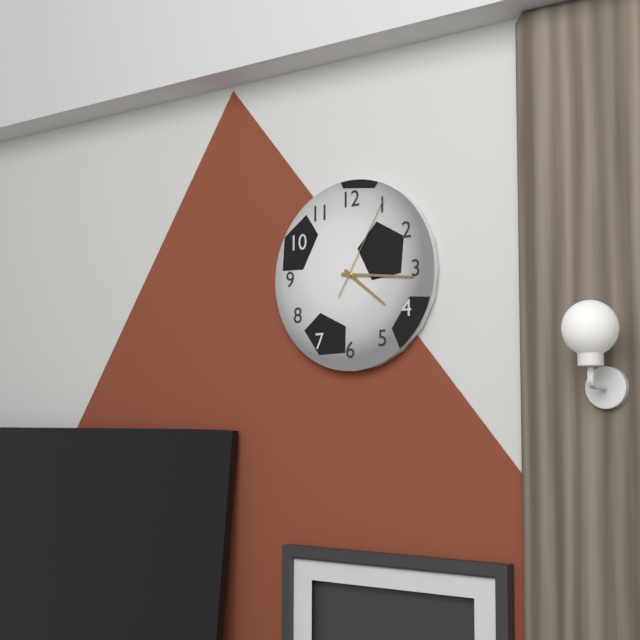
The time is 4:16:05
